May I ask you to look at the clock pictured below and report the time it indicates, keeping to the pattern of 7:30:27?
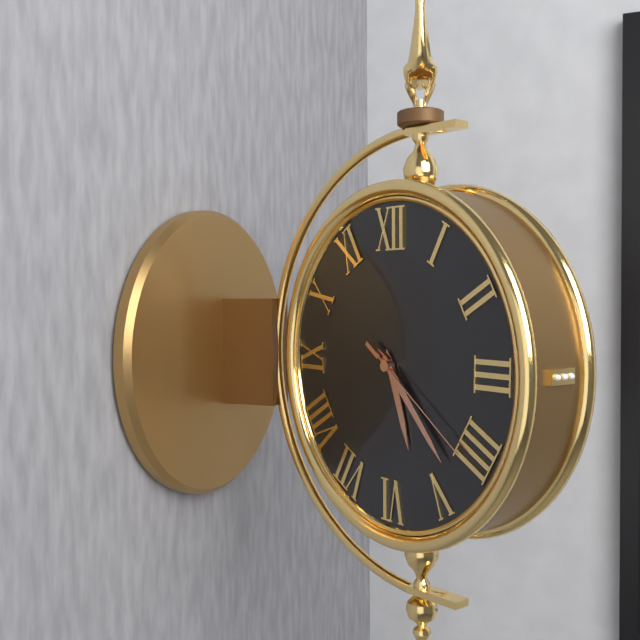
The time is 5:23:21
